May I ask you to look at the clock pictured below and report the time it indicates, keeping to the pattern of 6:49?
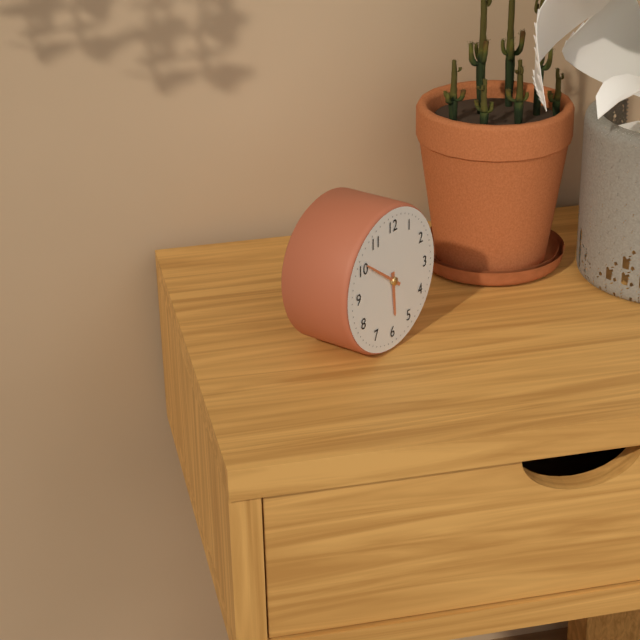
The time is 5:51
